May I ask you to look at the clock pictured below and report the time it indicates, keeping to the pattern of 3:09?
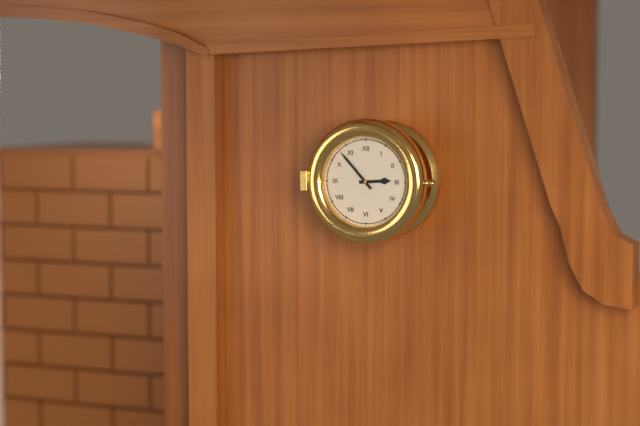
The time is 2:53
